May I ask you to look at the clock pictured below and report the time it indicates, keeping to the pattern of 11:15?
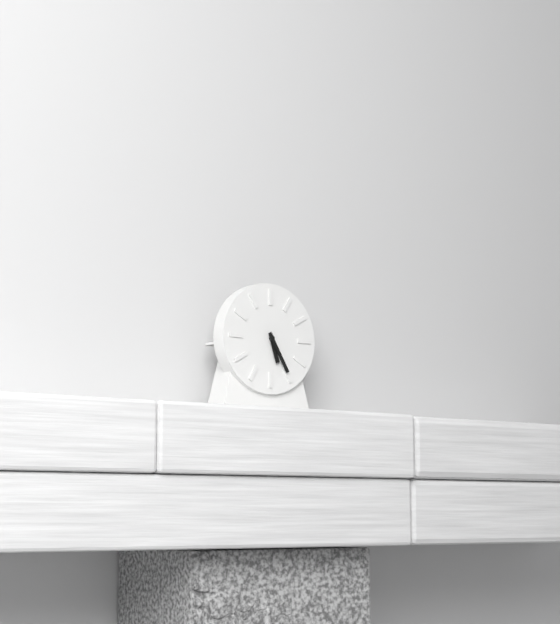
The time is 5:25
